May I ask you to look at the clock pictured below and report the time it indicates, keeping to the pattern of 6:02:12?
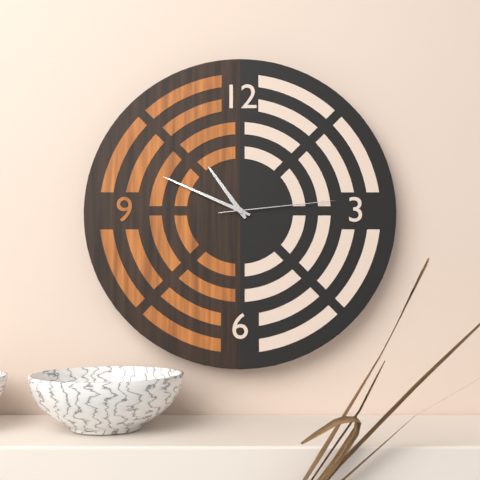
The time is 10:49:14
